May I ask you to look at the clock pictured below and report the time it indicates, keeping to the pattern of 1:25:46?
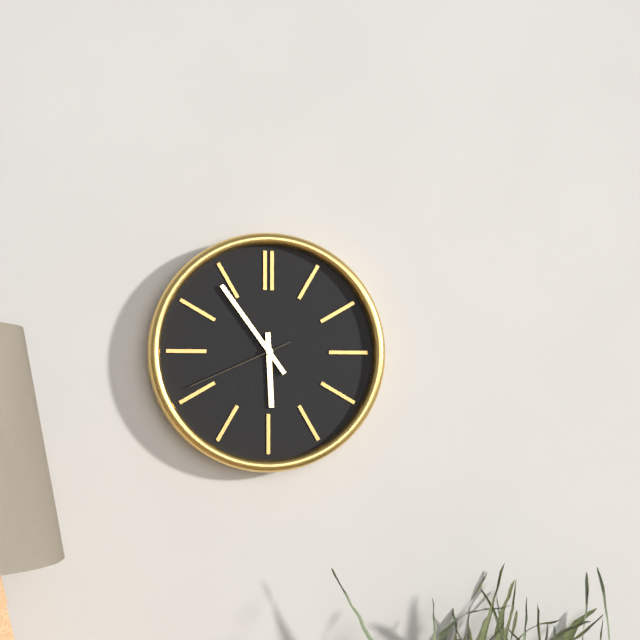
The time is 5:54:41
